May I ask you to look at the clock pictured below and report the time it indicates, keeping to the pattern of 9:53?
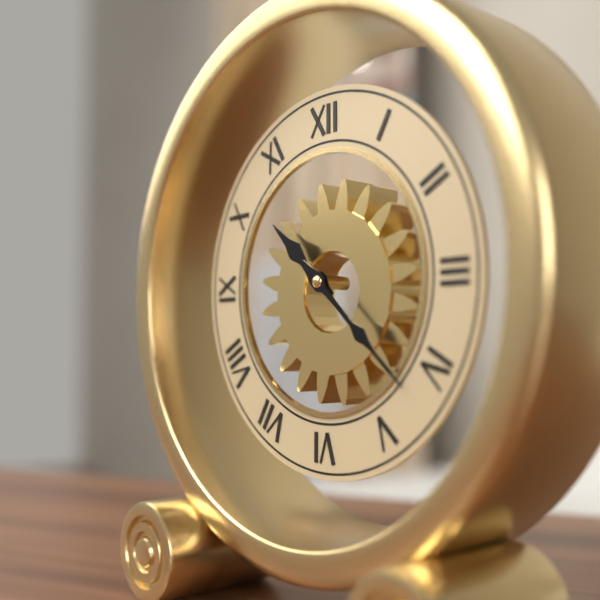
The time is 10:22
